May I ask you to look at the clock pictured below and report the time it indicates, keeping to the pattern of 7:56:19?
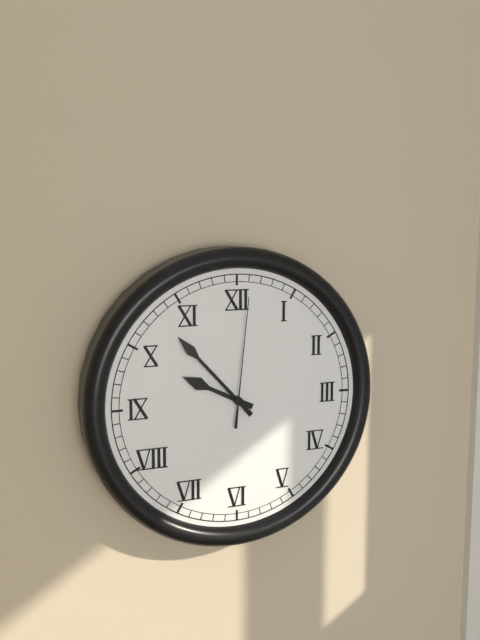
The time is 9:53:01
